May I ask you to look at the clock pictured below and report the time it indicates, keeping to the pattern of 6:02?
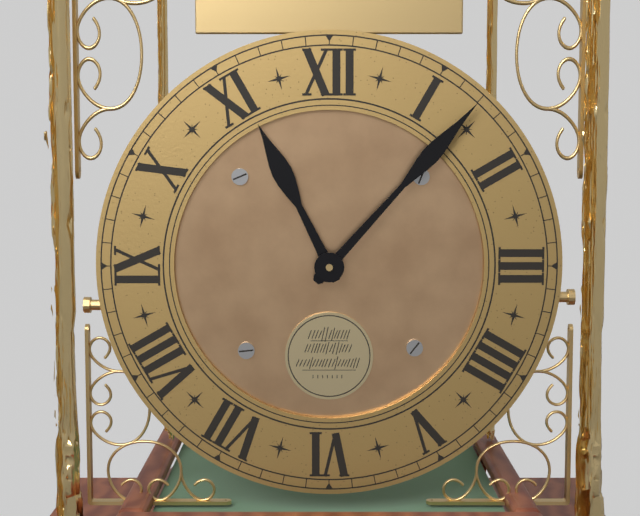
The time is 11:07
